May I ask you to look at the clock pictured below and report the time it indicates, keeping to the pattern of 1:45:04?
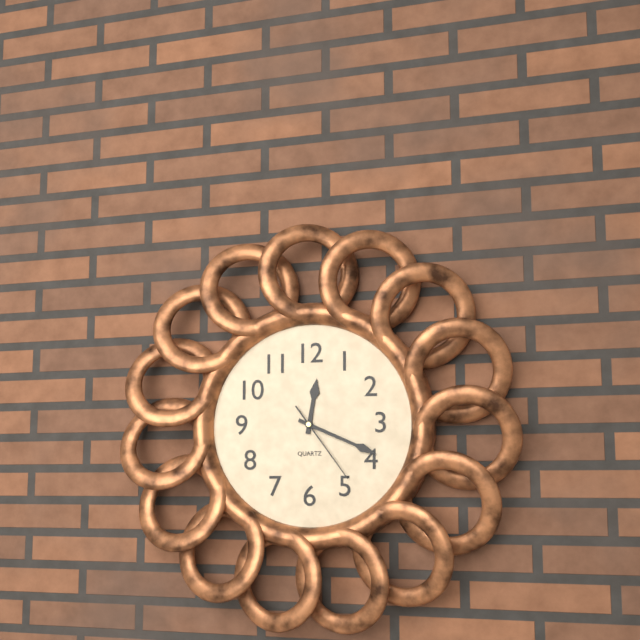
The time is 12:19:24
